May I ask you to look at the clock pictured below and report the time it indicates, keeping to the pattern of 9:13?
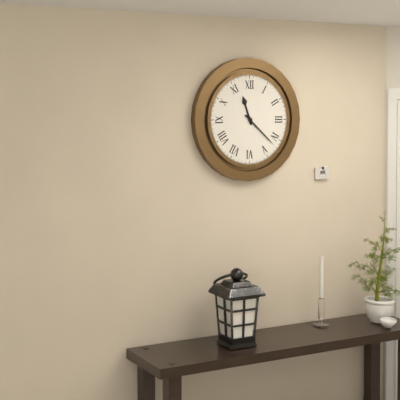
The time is 11:22
